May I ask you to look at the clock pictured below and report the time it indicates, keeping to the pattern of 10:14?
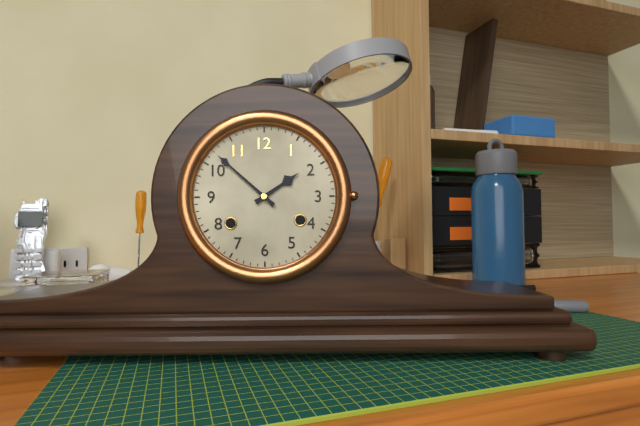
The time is 1:52
